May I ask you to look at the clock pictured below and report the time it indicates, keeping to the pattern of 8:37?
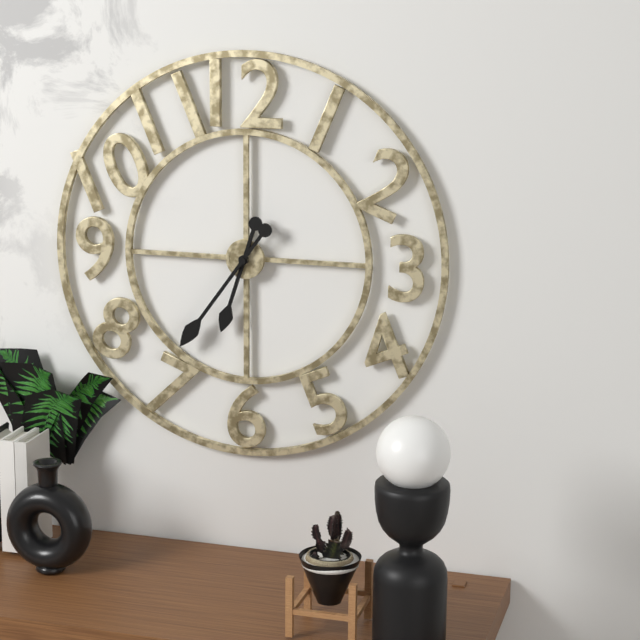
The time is 6:36
